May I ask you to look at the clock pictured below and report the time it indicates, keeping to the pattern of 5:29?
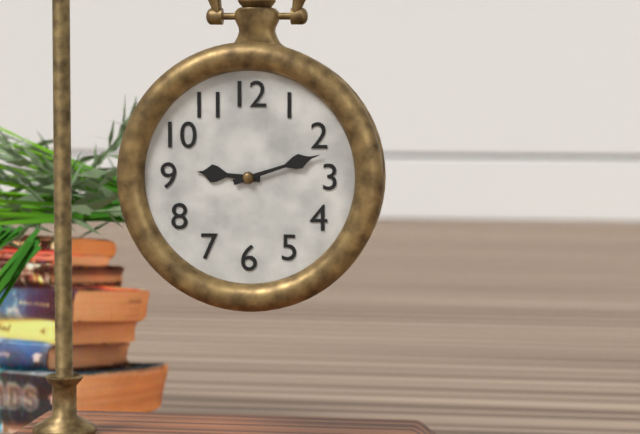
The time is 9:12
